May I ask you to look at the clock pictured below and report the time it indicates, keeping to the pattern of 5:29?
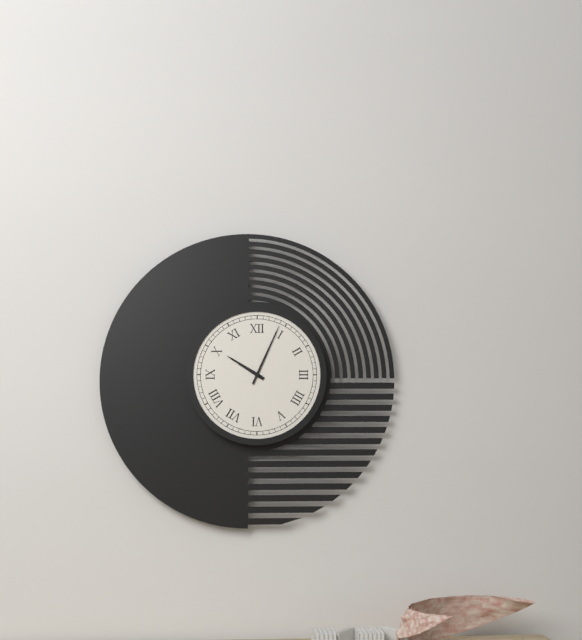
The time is 10:04
